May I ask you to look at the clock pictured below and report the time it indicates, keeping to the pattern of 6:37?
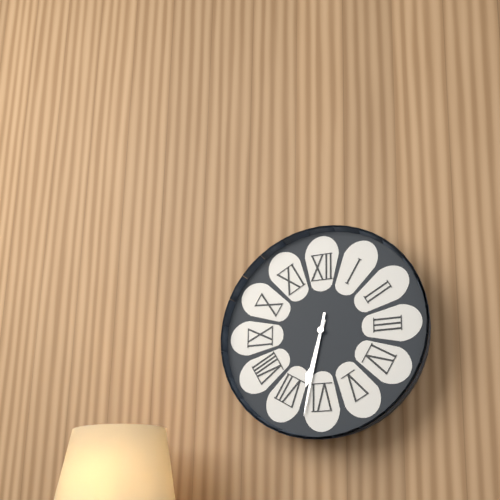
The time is 6:32
